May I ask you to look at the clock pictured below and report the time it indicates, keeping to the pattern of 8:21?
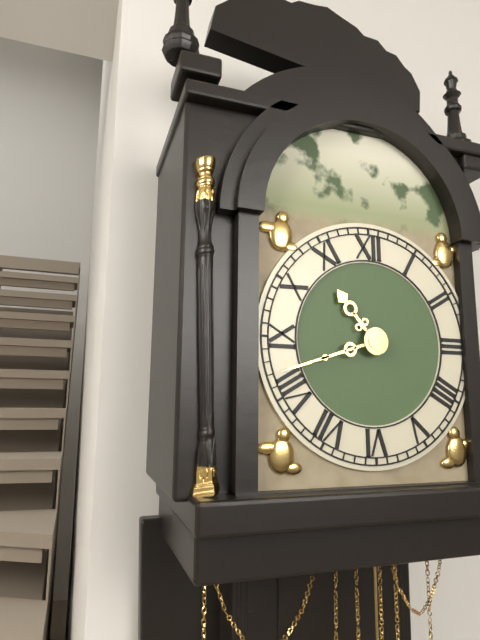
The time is 10:42
